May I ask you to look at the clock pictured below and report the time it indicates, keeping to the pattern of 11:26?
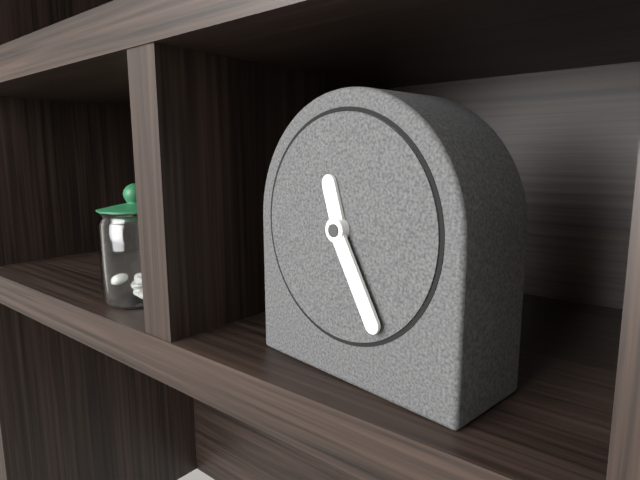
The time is 11:25
